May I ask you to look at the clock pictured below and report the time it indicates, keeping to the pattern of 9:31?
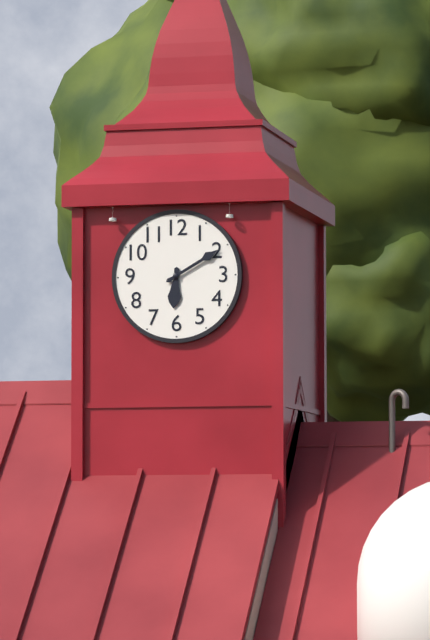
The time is 6:10
